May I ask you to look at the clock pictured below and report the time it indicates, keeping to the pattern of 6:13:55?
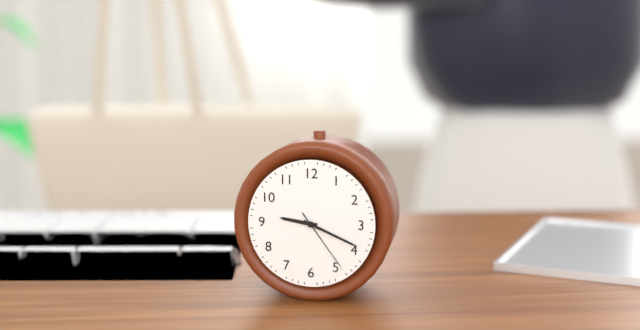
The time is 9:19:24
